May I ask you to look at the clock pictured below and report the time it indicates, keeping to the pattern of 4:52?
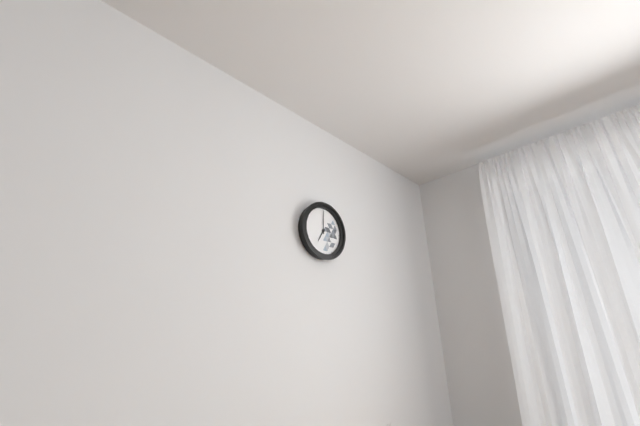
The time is 7:00
